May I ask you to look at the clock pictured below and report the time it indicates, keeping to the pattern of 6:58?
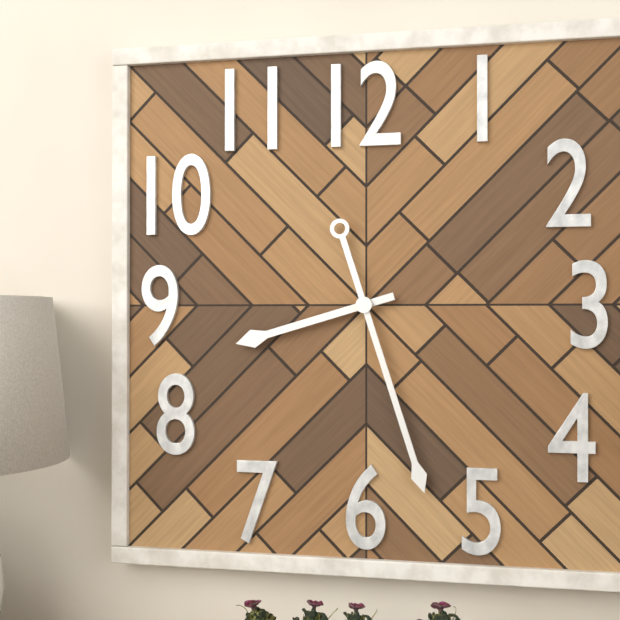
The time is 8:27
